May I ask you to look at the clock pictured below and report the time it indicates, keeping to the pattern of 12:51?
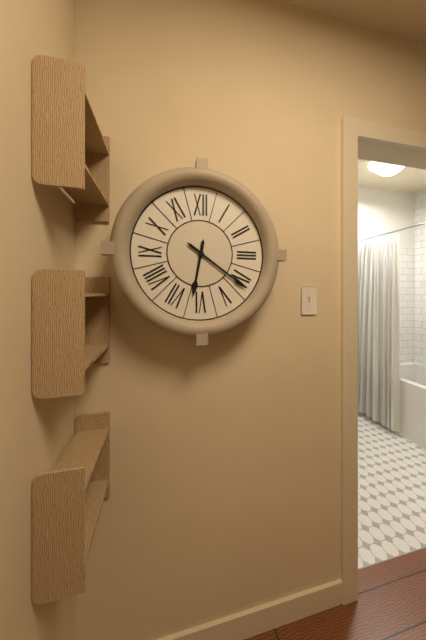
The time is 6:21
